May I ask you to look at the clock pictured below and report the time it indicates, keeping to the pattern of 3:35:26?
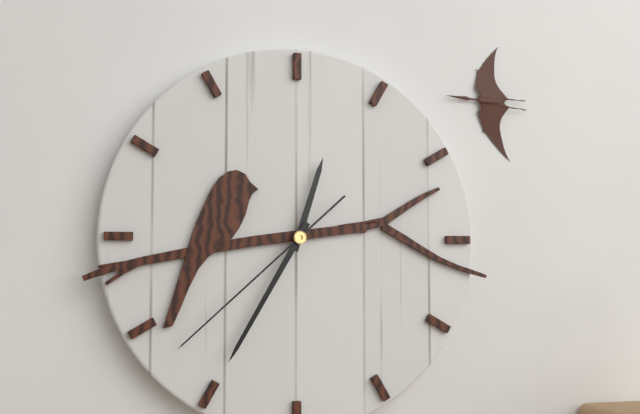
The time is 12:35:38
